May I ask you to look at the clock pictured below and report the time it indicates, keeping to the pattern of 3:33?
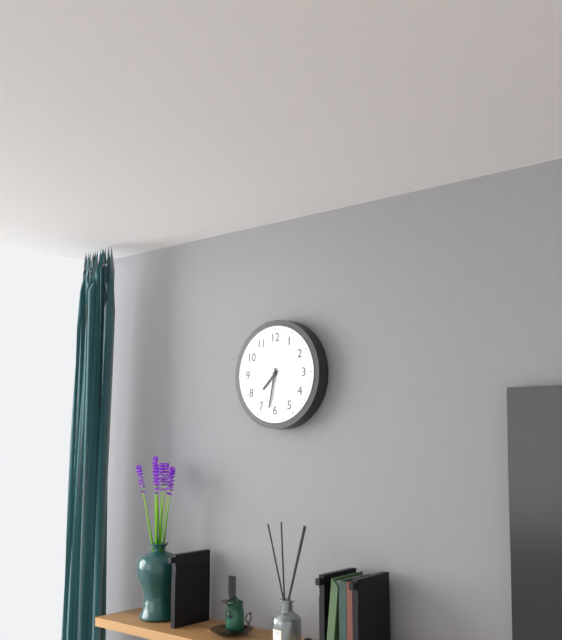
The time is 7:32
